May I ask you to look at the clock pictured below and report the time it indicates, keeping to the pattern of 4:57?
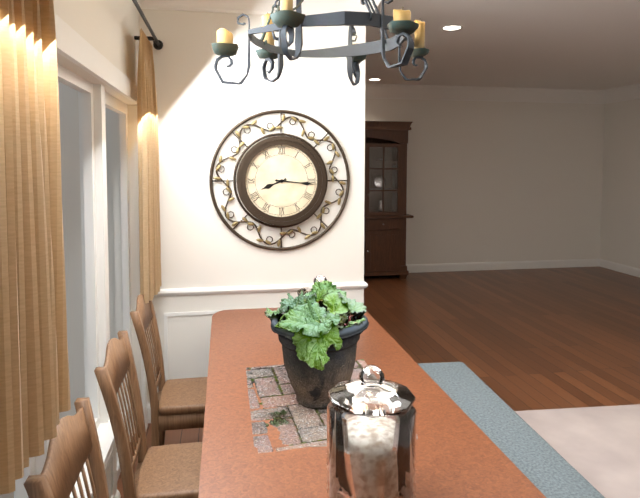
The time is 8:16
